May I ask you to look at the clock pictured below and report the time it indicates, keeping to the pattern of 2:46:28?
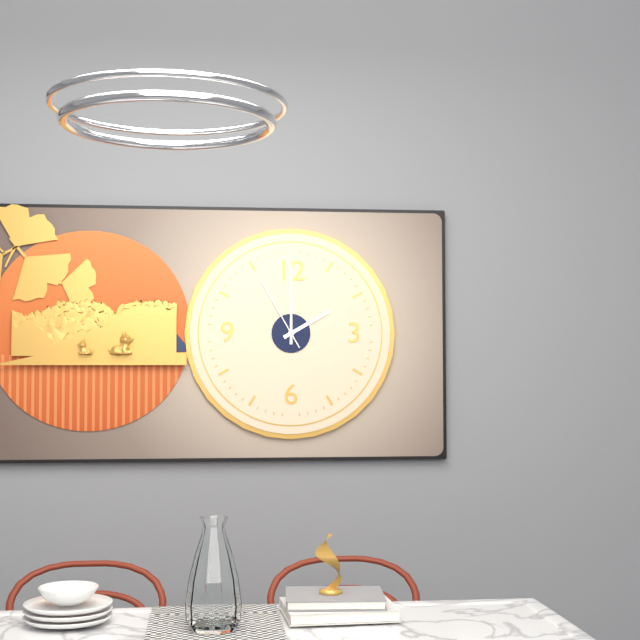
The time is 2:00:55
